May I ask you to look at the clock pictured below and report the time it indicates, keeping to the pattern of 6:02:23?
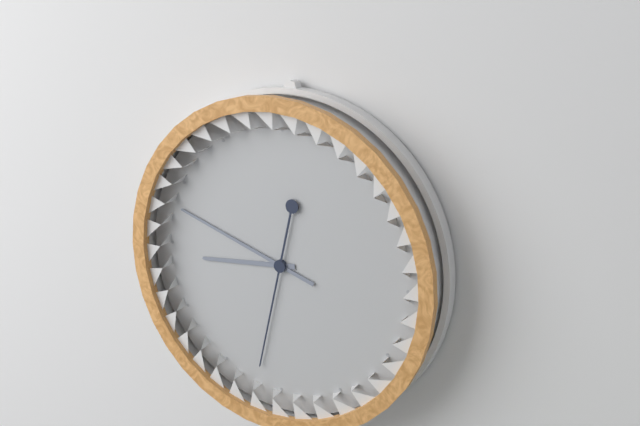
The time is 8:48:32
